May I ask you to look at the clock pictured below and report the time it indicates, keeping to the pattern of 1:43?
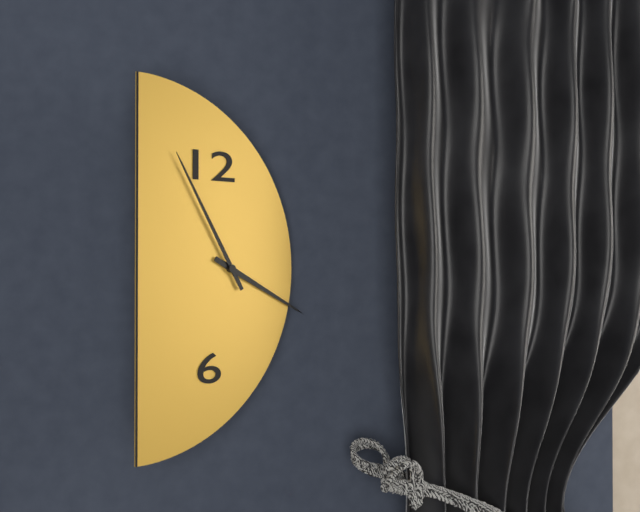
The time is 3:55
